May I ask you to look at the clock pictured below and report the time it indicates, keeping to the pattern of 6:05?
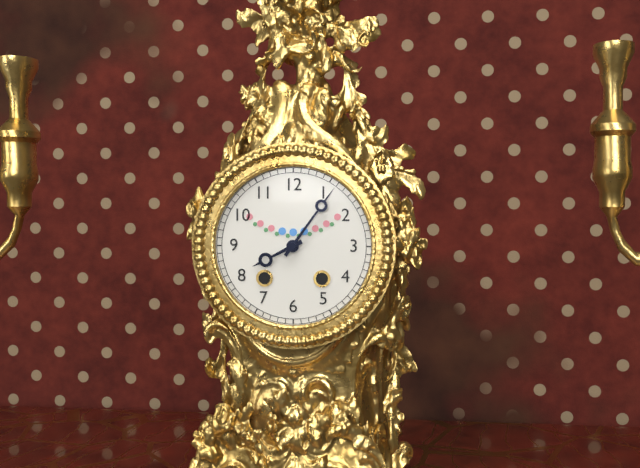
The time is 8:06
